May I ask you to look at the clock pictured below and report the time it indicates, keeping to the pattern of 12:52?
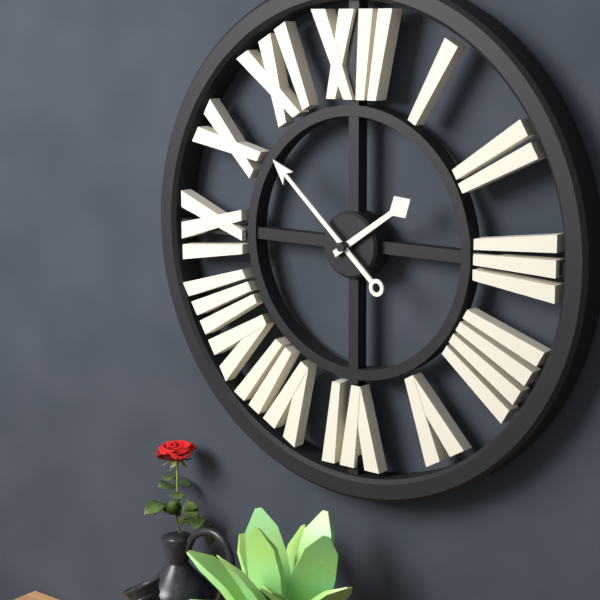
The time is 1:52
